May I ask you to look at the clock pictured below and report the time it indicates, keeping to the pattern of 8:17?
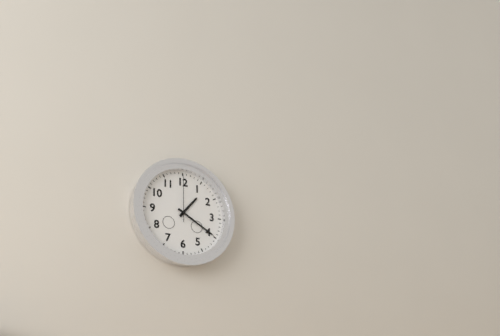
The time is 1:20
